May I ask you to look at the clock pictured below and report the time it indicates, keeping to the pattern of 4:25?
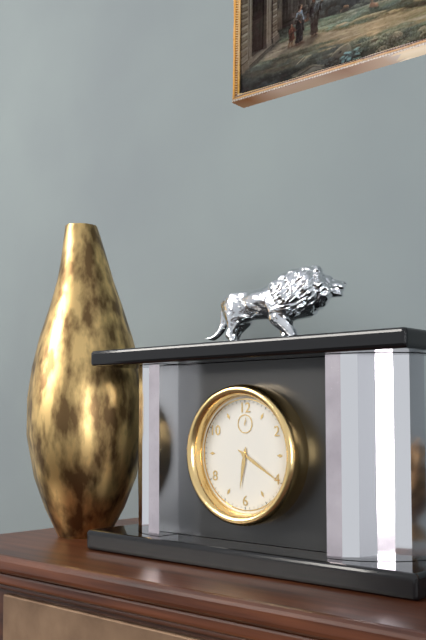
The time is 6:20
